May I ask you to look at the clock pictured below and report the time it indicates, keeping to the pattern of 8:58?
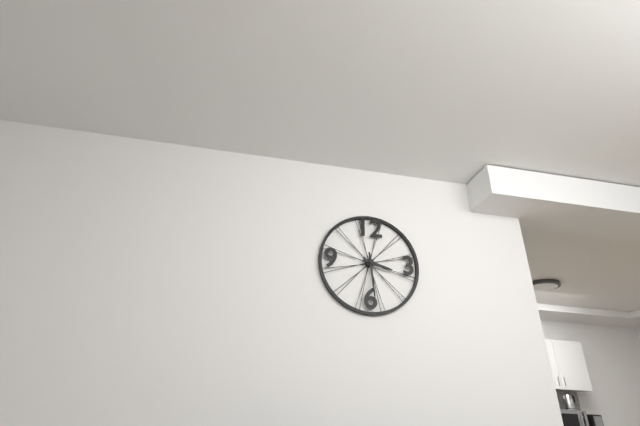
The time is 3:29
